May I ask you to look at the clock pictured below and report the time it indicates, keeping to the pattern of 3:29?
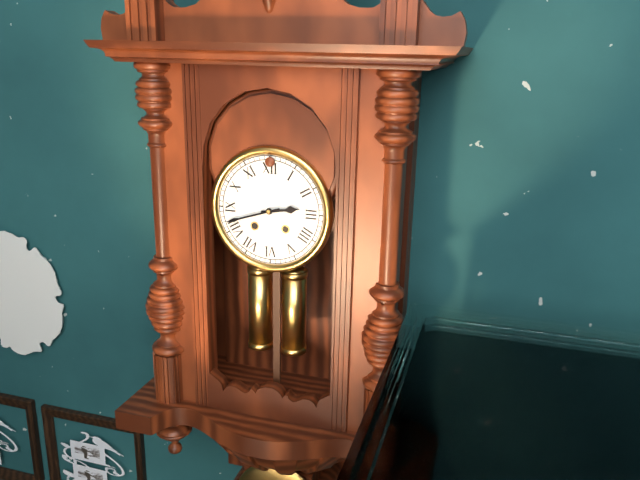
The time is 2:42
